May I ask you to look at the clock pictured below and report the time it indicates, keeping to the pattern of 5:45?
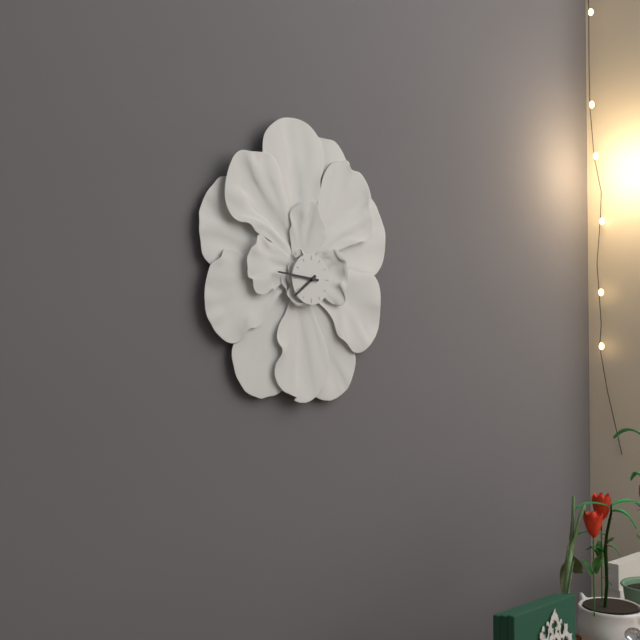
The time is 7:46
